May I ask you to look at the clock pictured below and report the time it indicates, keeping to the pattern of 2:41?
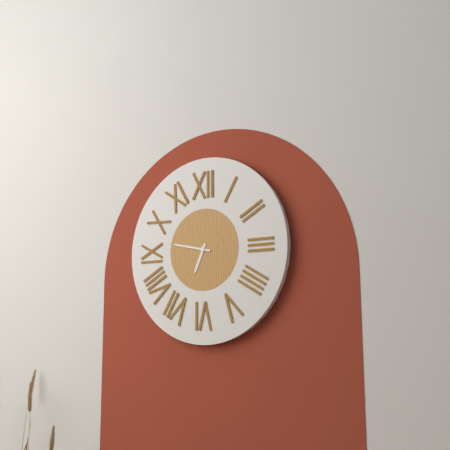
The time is 6:47
